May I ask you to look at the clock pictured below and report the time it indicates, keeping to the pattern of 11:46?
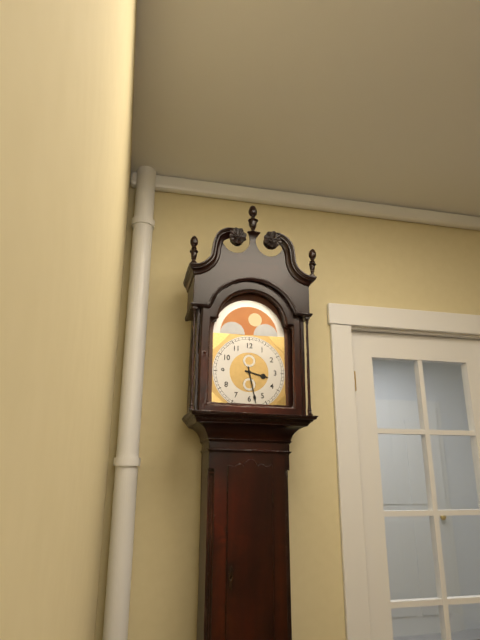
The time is 3:28
